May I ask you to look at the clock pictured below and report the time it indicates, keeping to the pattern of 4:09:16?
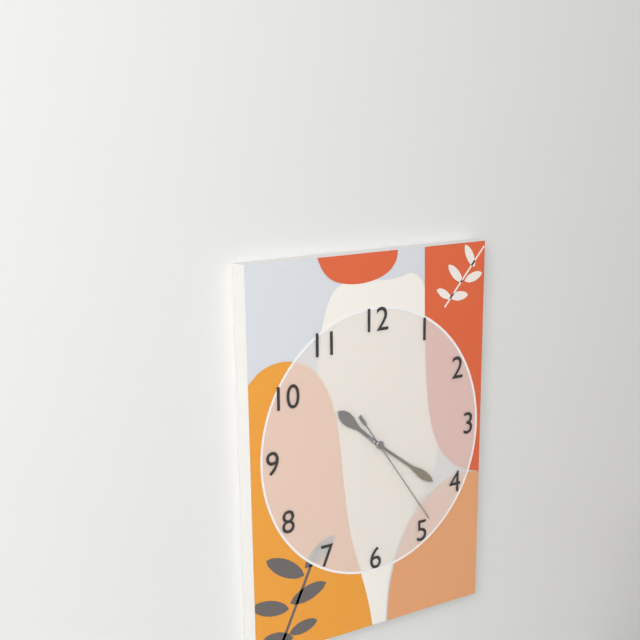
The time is 10:21:24
